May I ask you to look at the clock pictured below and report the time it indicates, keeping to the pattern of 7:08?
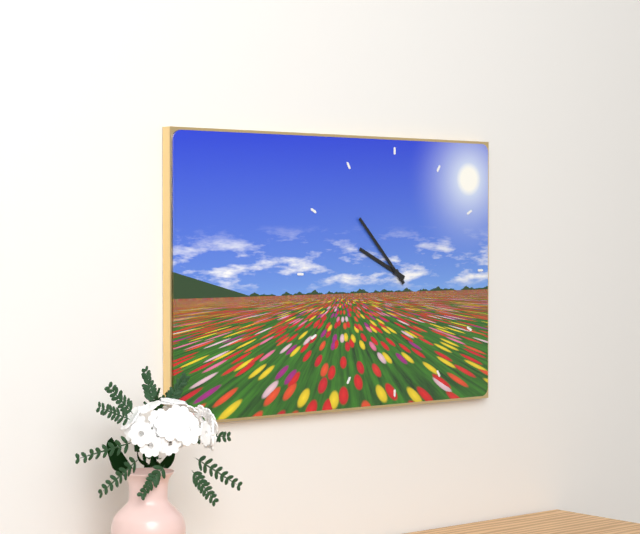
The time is 9:53
